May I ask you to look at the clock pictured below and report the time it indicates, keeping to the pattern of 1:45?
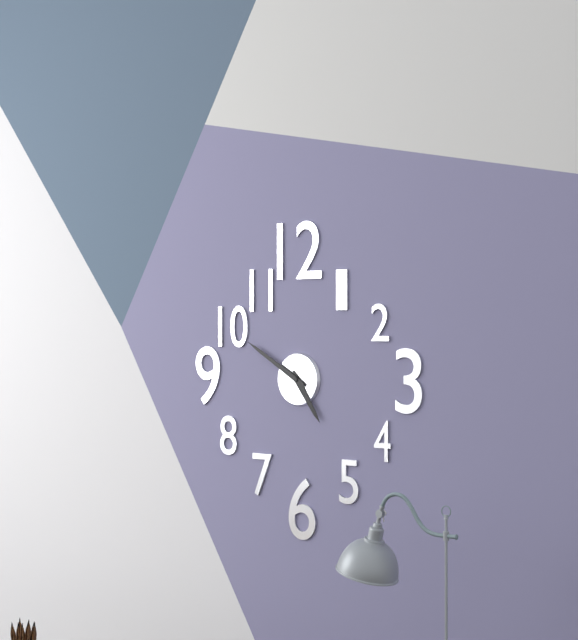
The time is 4:50
